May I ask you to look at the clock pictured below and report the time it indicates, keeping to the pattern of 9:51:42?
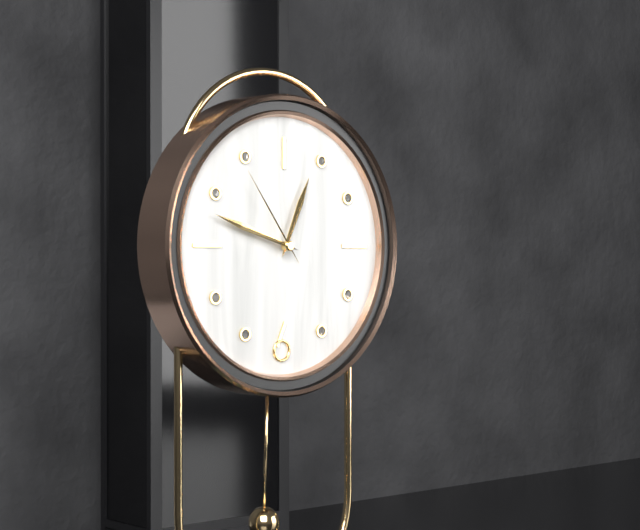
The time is 12:48:54
